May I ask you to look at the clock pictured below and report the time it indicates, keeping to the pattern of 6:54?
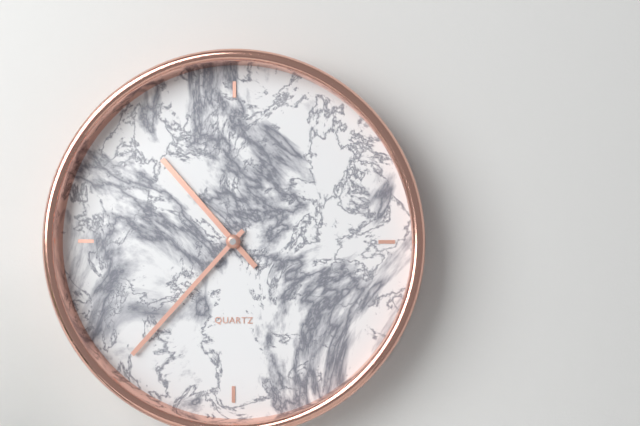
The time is 10:37
